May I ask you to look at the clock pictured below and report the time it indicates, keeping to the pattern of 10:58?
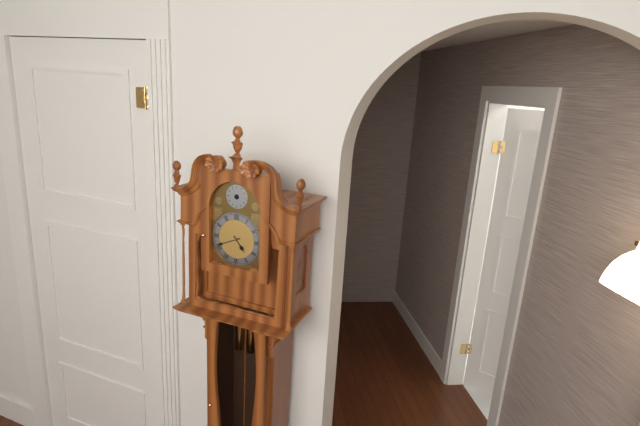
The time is 4:41
